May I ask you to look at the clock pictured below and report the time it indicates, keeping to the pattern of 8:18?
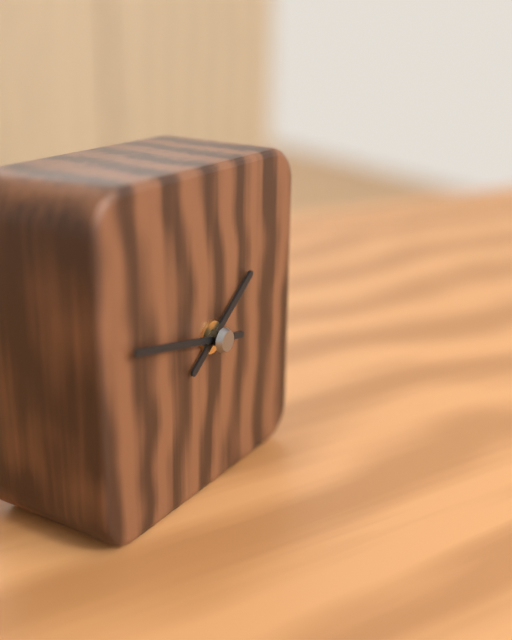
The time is 1:47
